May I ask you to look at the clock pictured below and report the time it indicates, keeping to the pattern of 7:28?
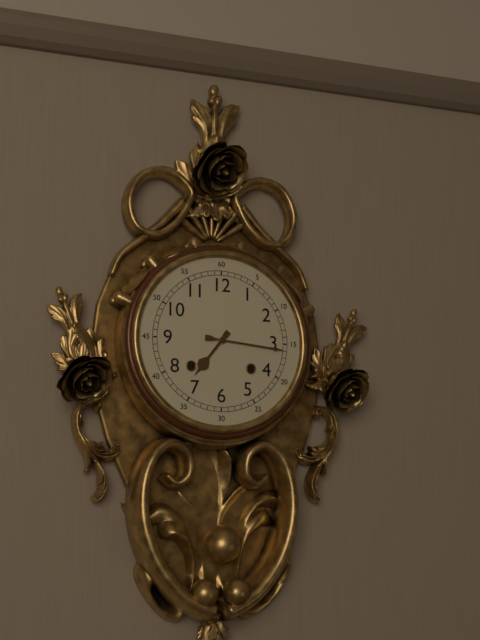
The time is 7:16
